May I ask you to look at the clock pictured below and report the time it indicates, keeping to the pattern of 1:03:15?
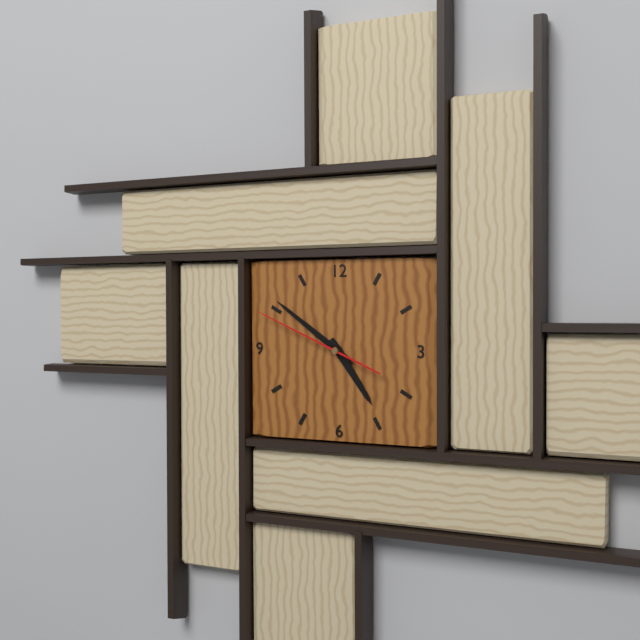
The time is 4:51:49
